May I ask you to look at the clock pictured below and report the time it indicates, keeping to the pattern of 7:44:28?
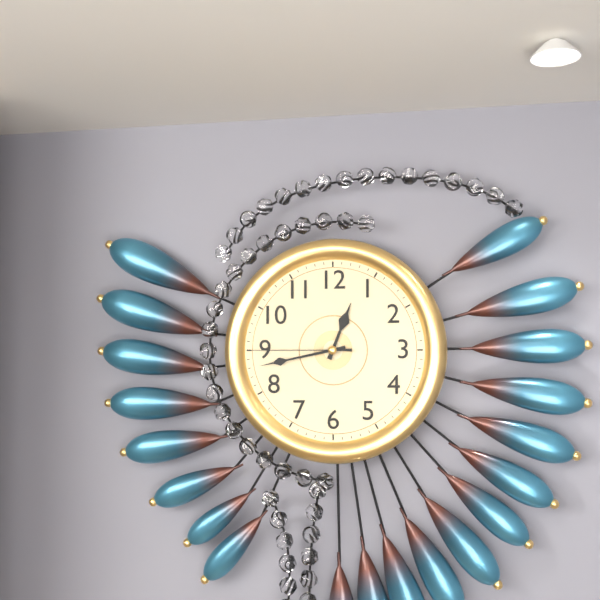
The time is 12:43:45
